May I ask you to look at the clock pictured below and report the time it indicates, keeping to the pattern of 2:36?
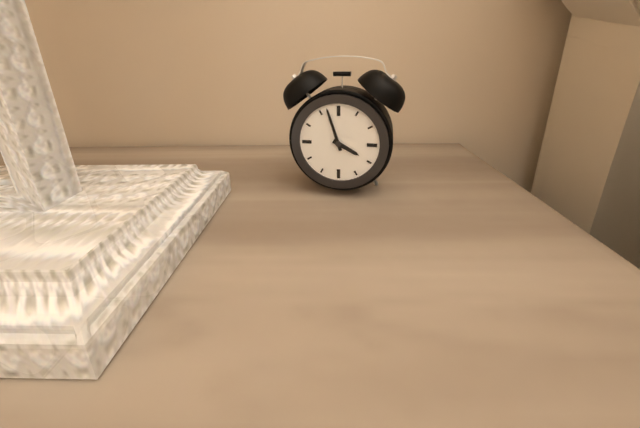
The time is 3:57
